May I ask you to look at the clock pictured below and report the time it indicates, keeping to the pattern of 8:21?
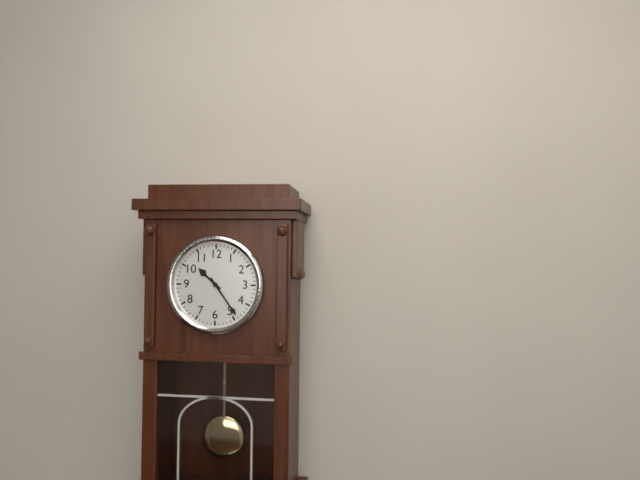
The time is 10:24
